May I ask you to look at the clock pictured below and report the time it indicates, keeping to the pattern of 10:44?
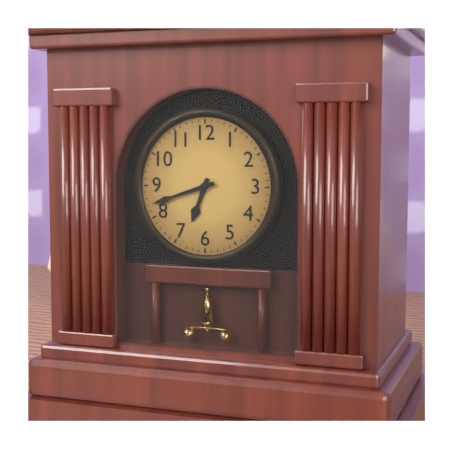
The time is 6:42
